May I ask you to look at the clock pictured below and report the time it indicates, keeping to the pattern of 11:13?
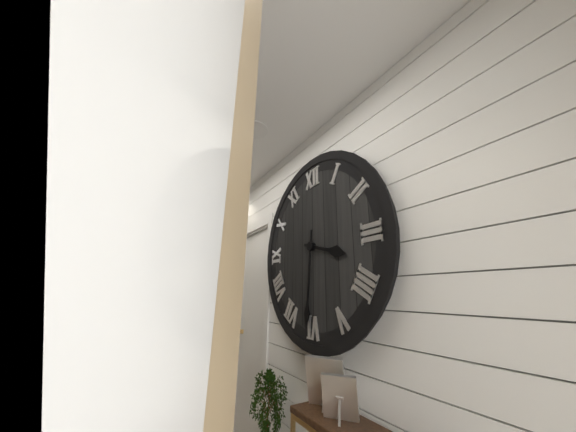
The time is 3:31
